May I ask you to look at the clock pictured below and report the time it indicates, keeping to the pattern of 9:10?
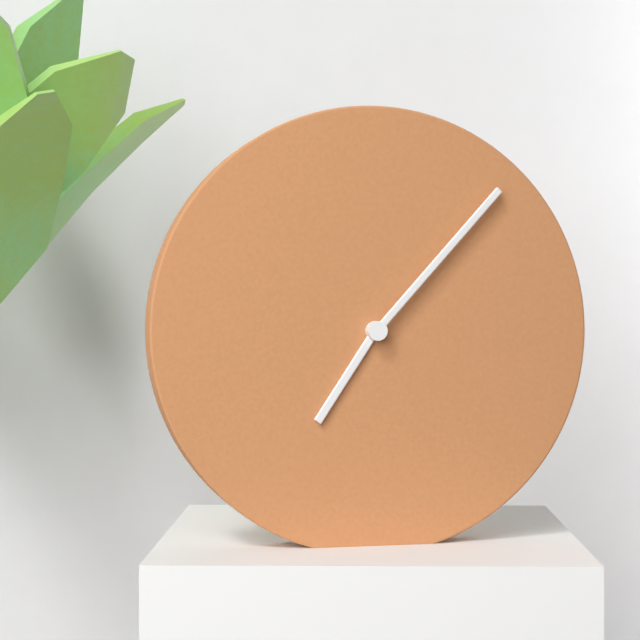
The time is 7:07
